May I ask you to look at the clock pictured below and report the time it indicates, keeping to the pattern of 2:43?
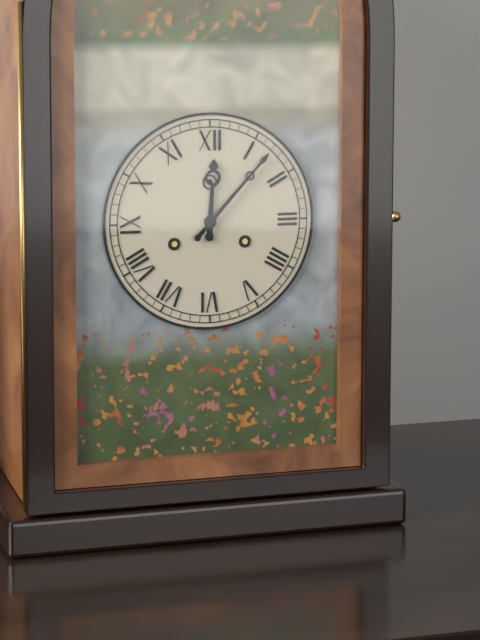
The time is 12:07
